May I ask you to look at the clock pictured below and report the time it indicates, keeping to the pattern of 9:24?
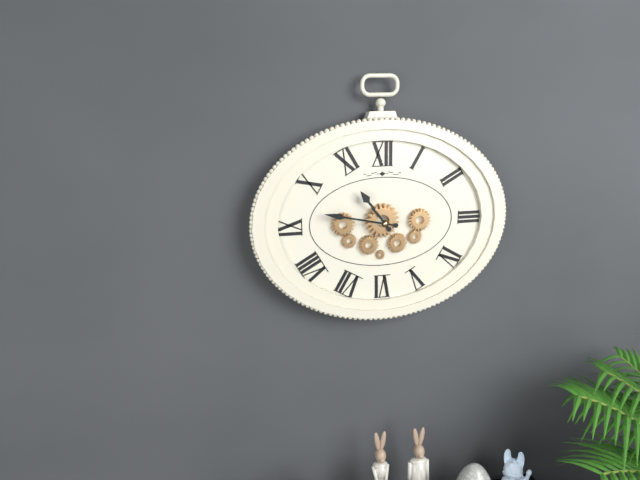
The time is 10:47
